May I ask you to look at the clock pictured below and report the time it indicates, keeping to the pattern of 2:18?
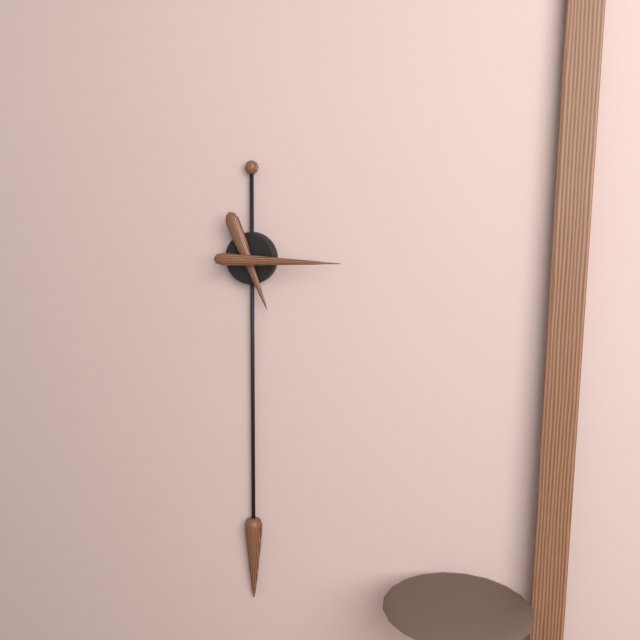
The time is 5:15
